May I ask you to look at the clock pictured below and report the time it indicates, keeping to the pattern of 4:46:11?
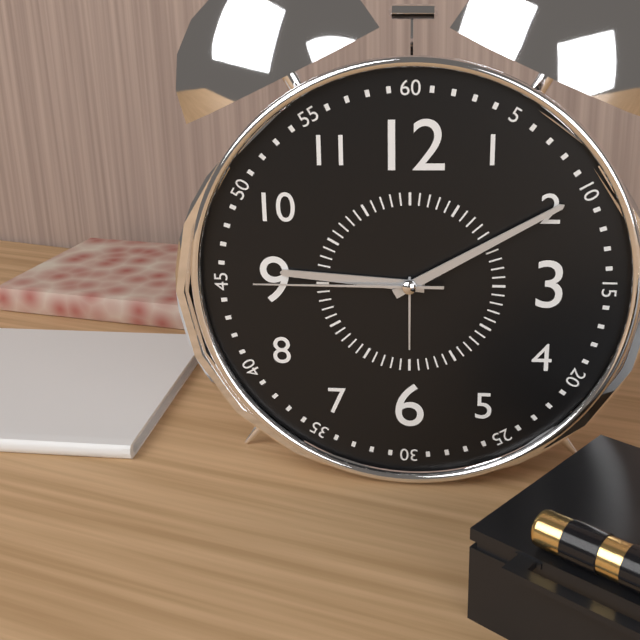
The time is 9:10:45
